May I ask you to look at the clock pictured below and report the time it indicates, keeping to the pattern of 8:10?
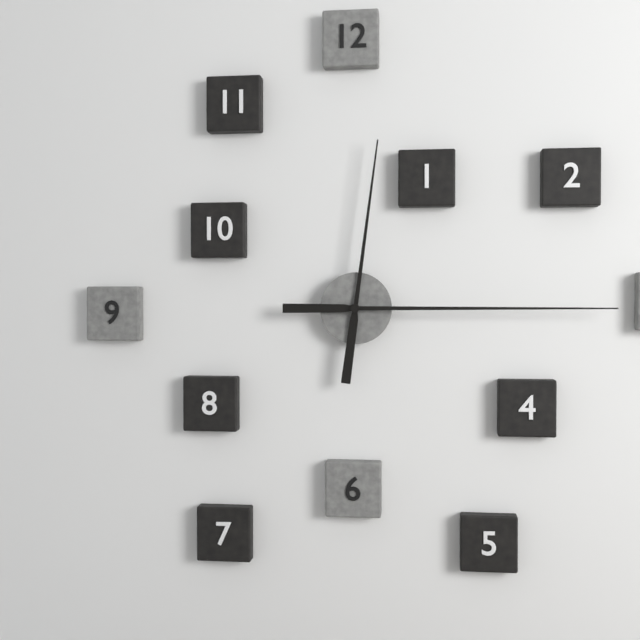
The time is 12:15
